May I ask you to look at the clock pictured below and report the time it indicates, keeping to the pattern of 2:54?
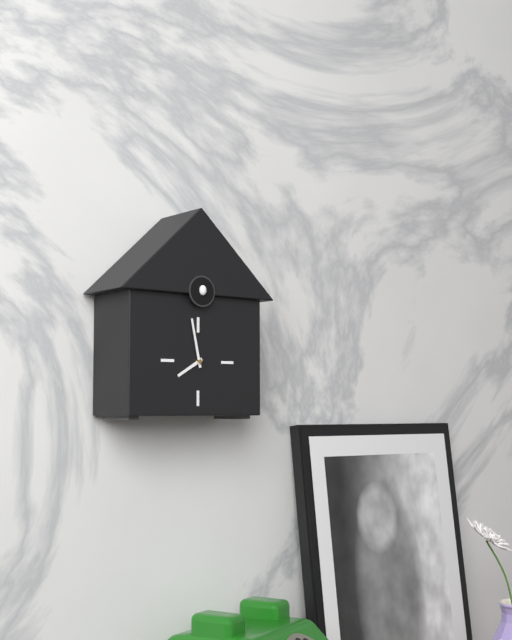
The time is 7:58
